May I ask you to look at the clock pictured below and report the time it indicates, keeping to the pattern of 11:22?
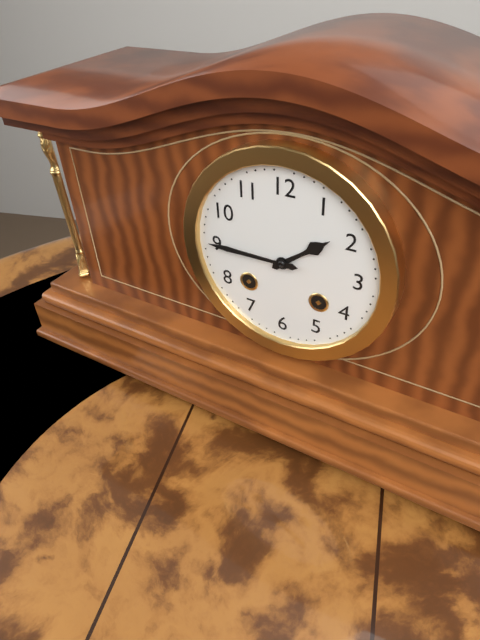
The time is 1:45
